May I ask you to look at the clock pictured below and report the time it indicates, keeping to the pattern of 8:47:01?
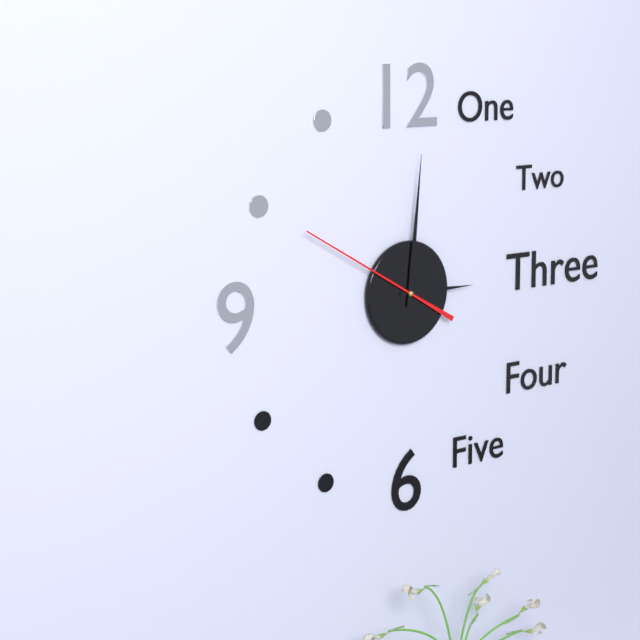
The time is 3:01:50
